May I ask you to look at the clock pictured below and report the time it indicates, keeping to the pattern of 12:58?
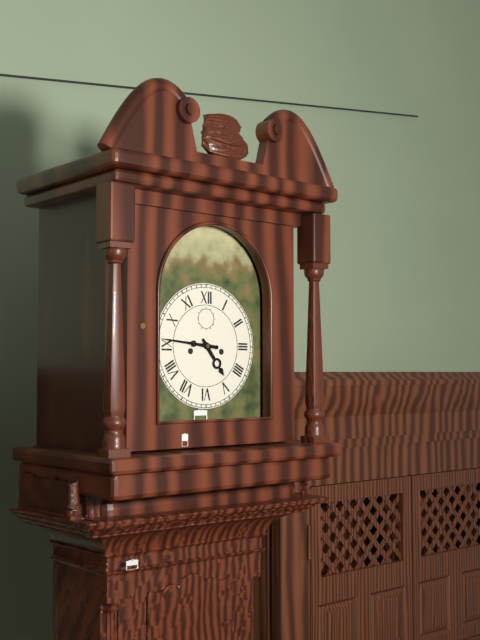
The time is 4:46
